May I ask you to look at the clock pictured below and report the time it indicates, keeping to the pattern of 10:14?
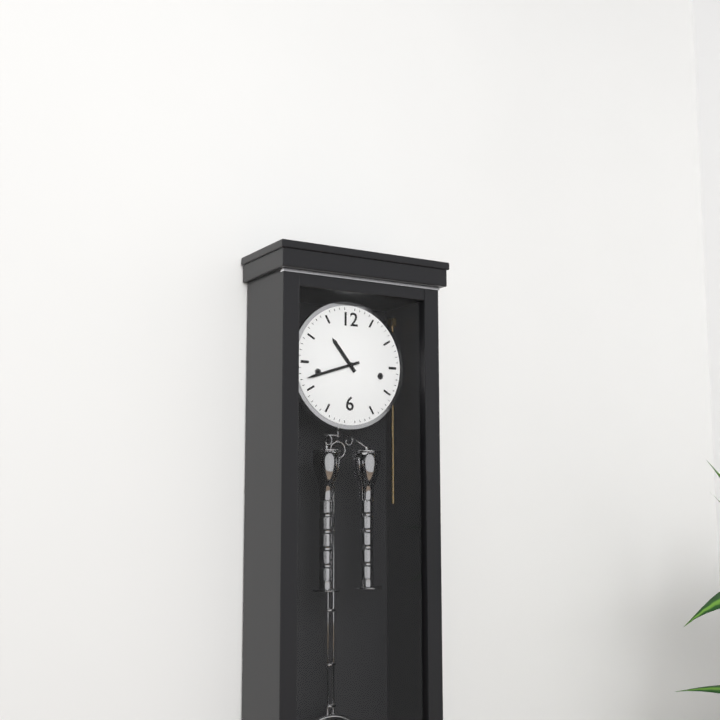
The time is 10:42
